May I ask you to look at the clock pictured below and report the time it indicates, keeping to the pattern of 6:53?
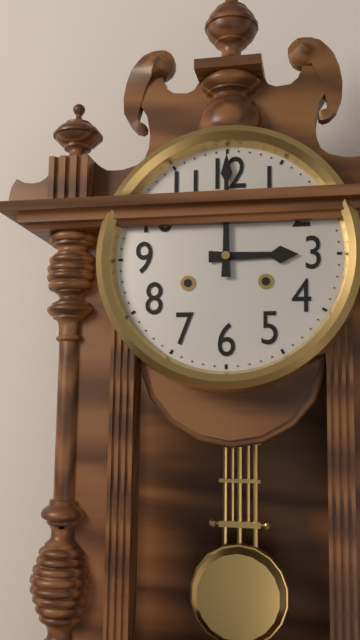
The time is 3:00
